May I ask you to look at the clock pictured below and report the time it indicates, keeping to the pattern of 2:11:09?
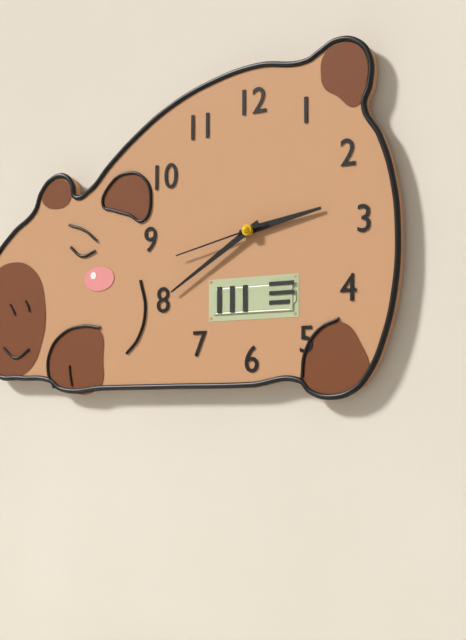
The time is 2:40:43
